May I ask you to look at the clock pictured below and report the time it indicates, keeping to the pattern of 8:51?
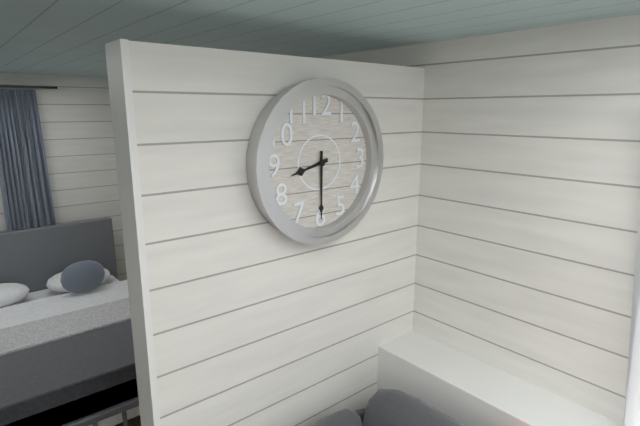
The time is 8:30
